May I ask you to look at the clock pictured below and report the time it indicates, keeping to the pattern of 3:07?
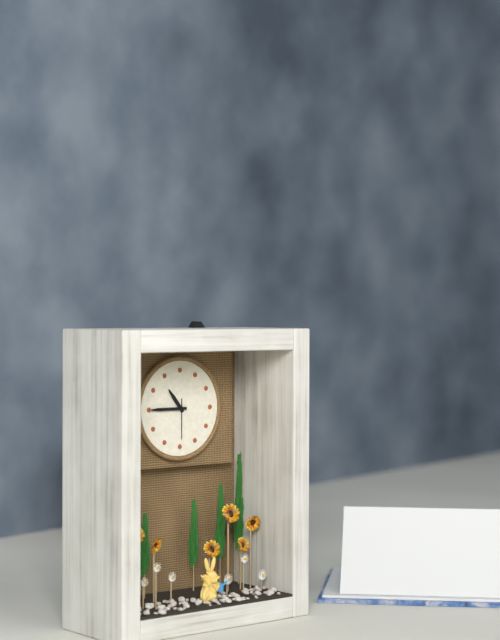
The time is 10:45
